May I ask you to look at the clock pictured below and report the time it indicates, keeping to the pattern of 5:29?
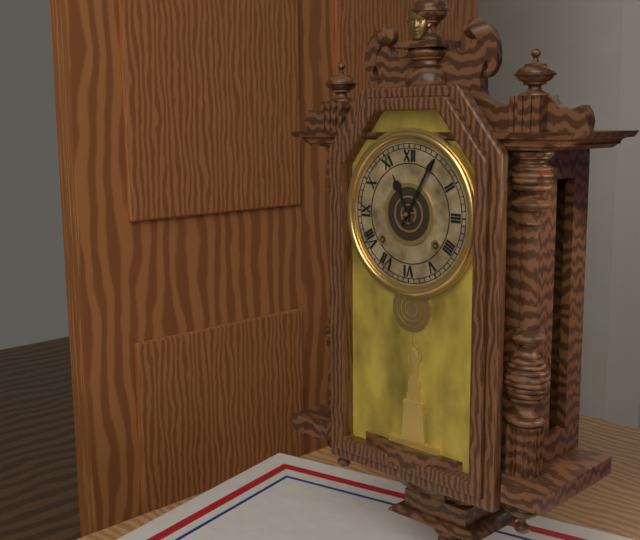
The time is 11:05
